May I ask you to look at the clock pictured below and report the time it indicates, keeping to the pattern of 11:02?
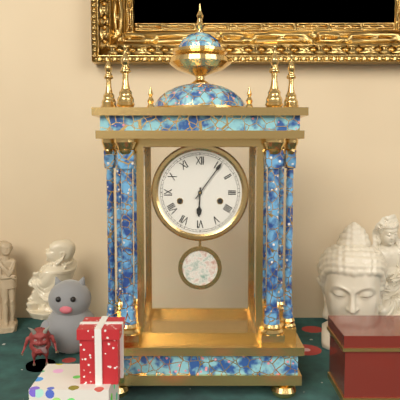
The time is 6:06
